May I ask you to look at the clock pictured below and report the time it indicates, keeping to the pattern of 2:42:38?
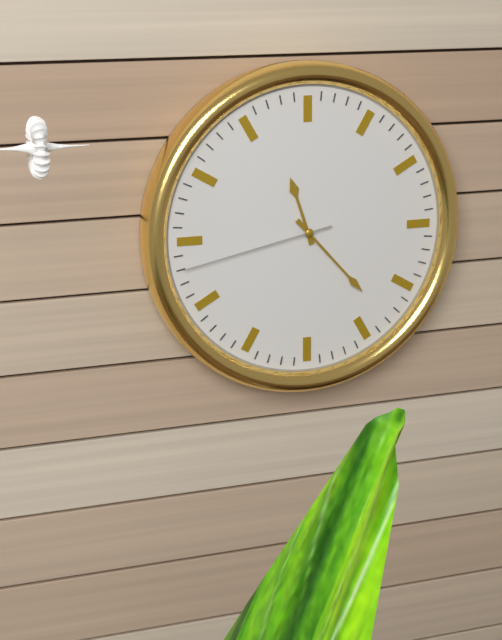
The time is 11:23:43
